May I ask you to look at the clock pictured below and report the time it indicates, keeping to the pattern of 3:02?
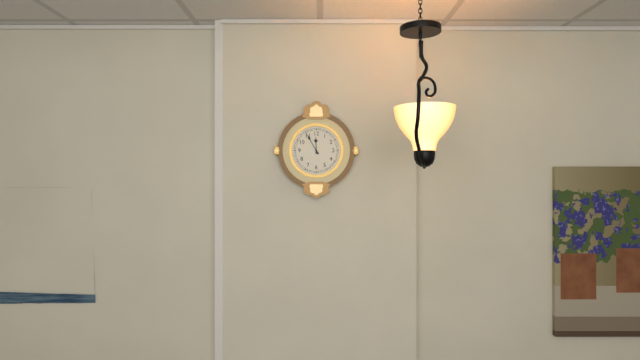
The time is 11:55
